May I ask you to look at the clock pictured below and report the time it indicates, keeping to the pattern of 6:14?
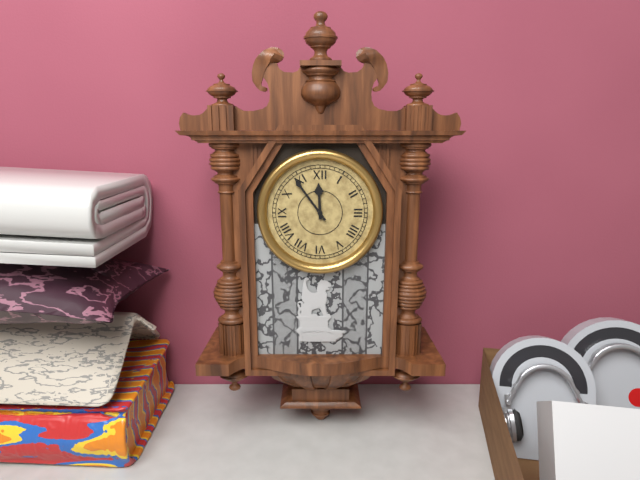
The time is 11:54
